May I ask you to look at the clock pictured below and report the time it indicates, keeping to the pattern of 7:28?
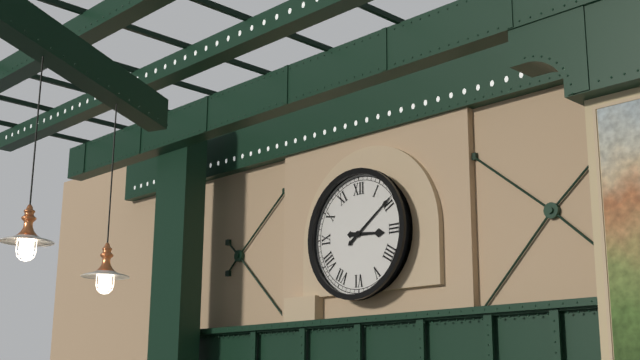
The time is 3:09
